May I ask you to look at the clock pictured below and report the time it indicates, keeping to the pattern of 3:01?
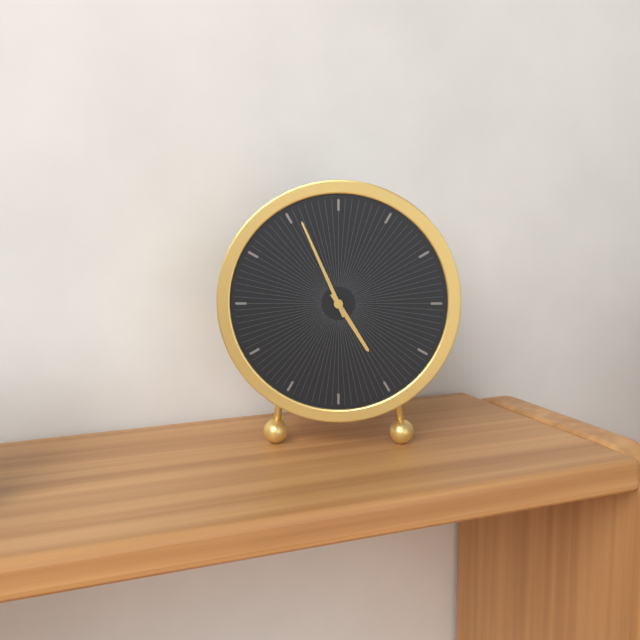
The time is 4:56
